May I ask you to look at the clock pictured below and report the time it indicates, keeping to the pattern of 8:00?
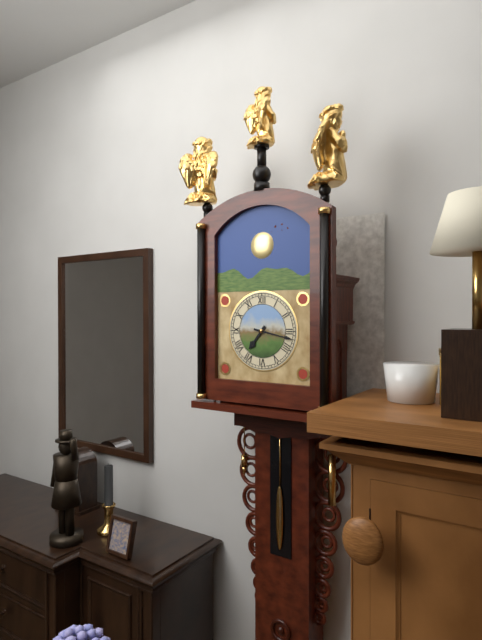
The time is 7:17
